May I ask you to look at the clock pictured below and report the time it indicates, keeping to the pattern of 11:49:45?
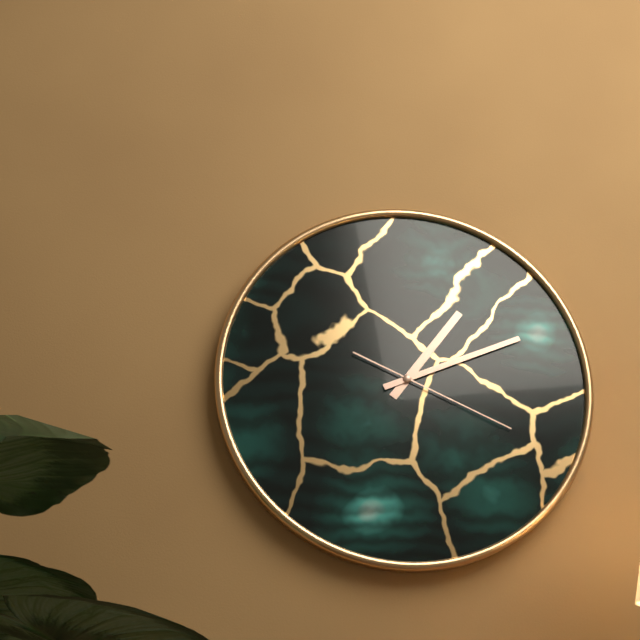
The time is 1:11:19
